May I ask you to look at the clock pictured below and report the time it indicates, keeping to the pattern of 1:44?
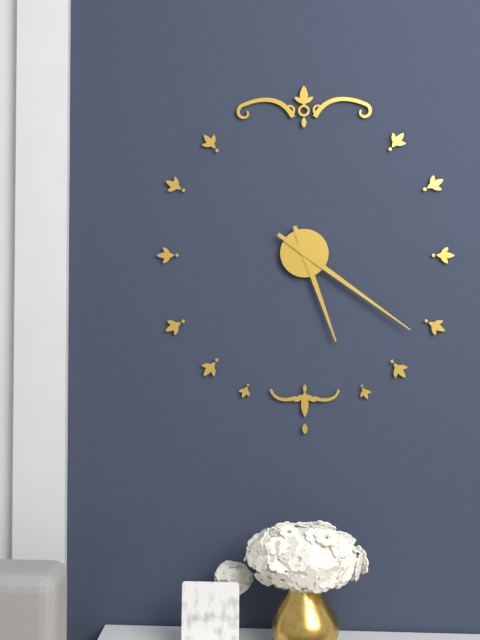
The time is 5:21
